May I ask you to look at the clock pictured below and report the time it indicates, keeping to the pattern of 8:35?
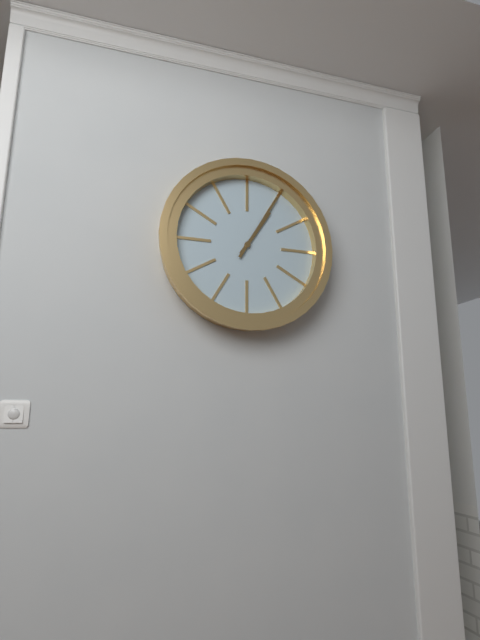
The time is 1:05
